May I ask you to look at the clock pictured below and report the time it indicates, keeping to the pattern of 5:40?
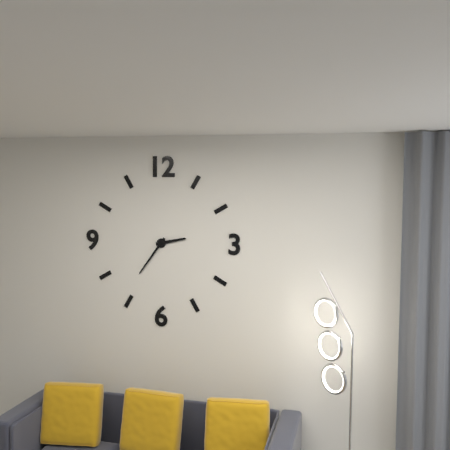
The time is 2:36
